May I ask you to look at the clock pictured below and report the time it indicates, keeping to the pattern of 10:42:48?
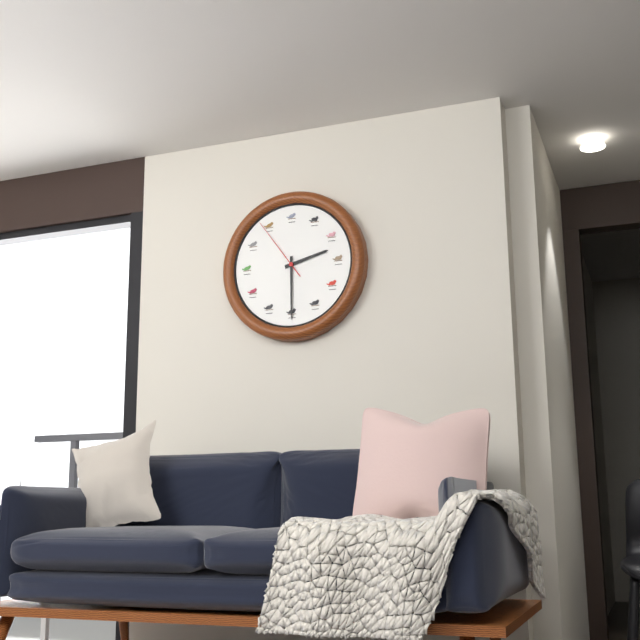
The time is 2:30:54
